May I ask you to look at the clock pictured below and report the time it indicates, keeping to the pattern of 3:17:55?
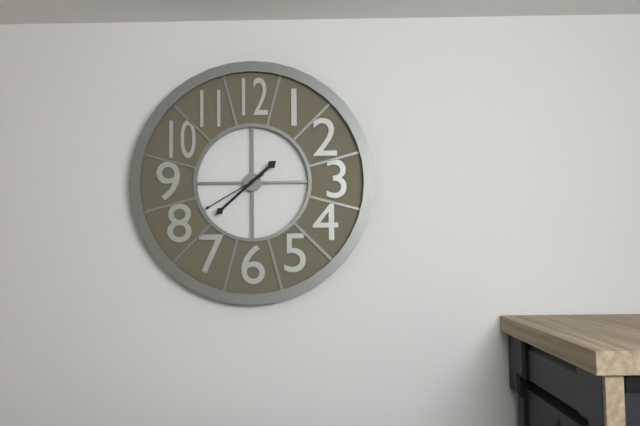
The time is 1:38:40
